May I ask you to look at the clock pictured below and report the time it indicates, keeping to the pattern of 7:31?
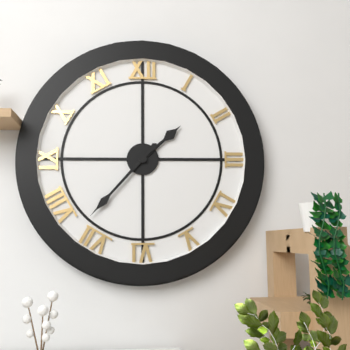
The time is 1:37
